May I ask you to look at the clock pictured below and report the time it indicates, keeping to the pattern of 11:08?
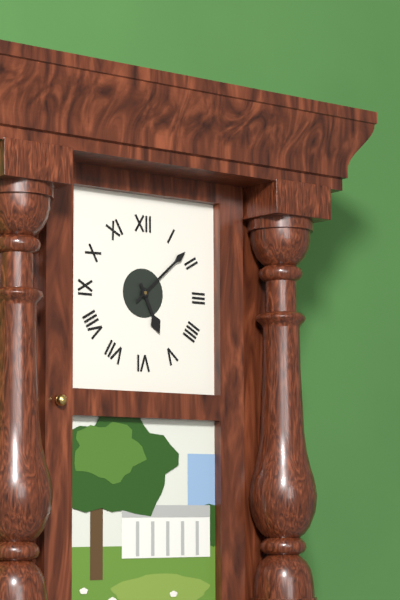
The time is 5:08
